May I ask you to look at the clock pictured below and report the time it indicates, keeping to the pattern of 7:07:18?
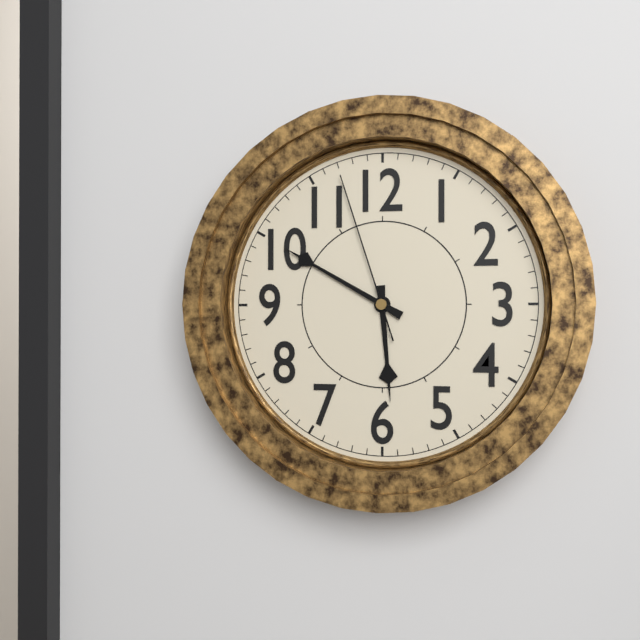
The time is 5:50:57
